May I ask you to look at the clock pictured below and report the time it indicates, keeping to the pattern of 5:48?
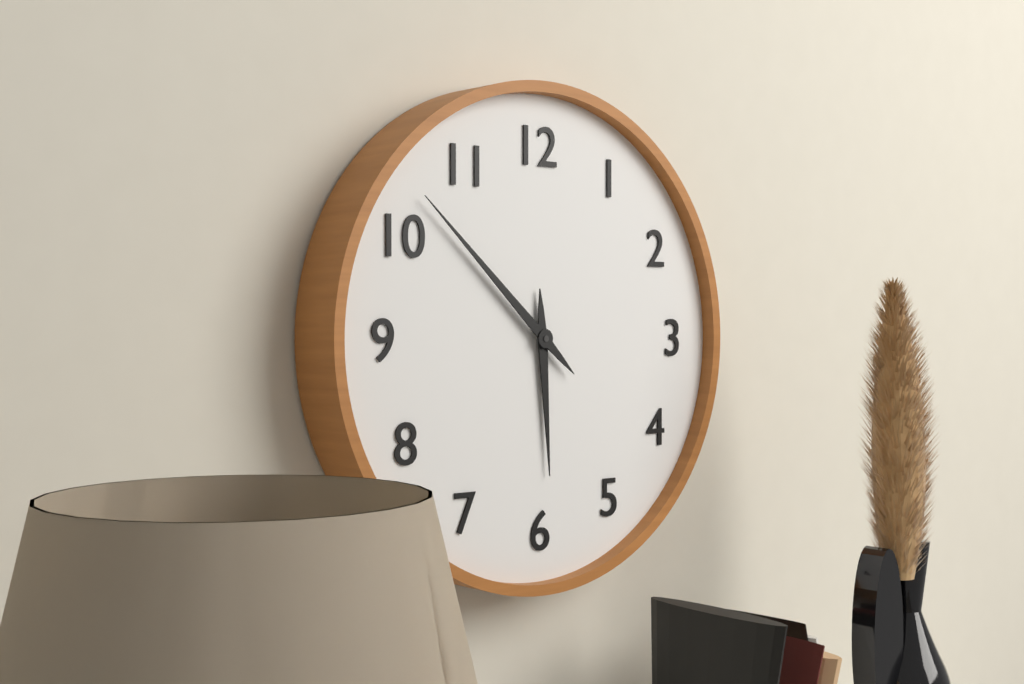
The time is 5:52
